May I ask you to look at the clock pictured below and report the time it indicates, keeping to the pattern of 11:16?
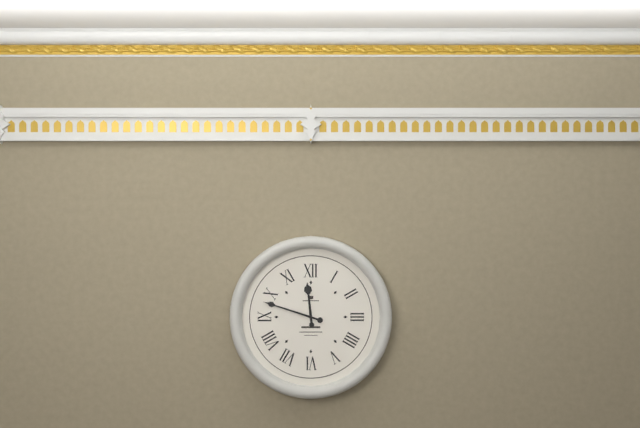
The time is 11:48
